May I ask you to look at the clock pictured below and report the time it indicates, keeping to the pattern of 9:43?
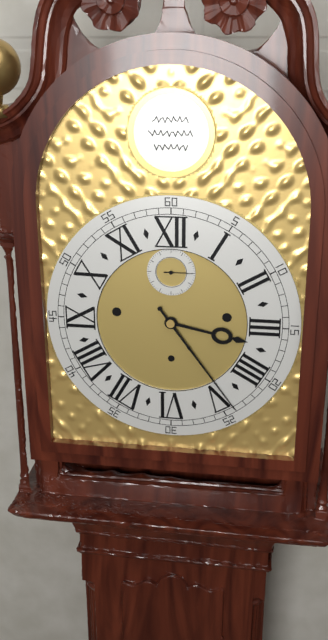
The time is 3:24
